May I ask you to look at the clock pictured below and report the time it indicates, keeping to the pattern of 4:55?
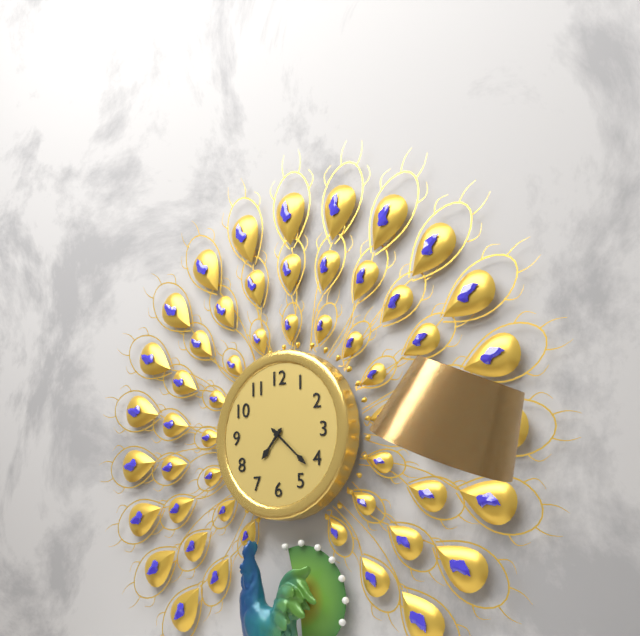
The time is 7:22
